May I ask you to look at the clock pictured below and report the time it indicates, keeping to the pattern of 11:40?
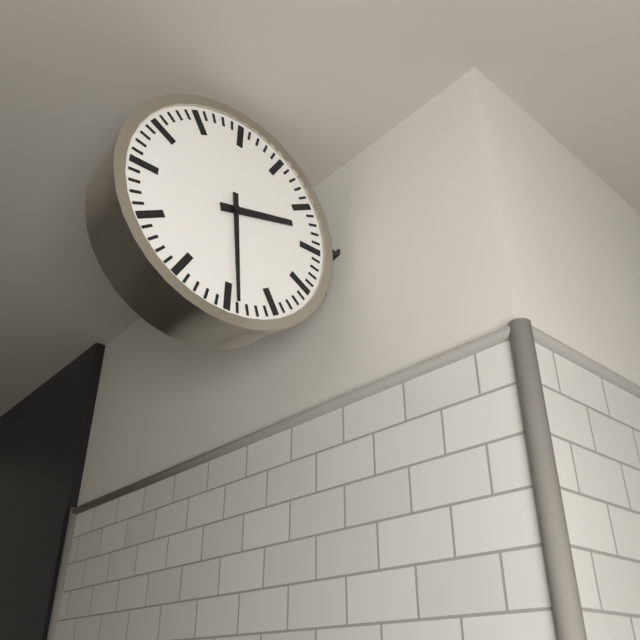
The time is 2:29
